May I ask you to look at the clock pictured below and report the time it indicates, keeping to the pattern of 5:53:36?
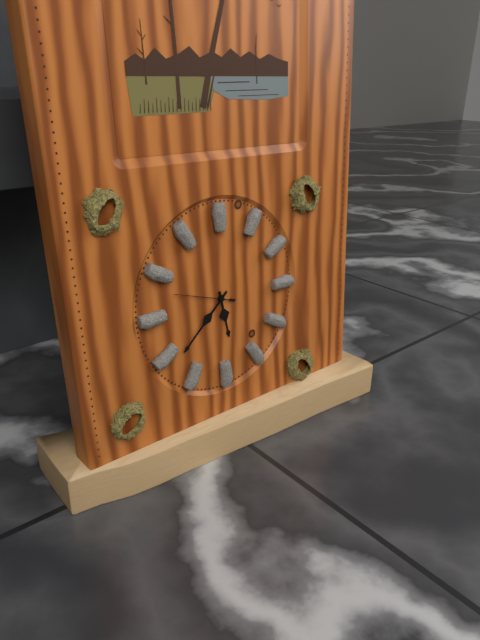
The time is 5:38:48
